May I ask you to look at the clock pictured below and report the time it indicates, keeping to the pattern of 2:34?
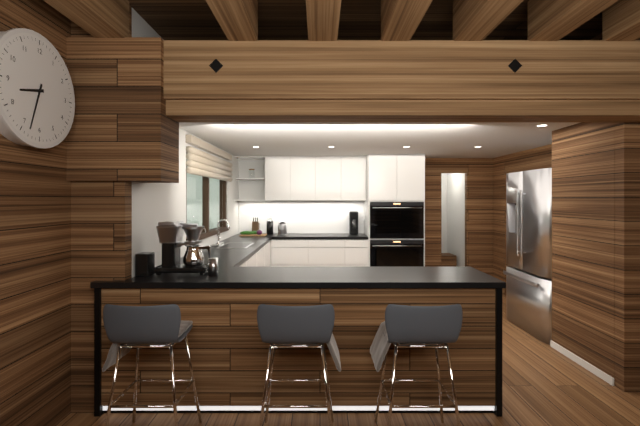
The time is 8:33
